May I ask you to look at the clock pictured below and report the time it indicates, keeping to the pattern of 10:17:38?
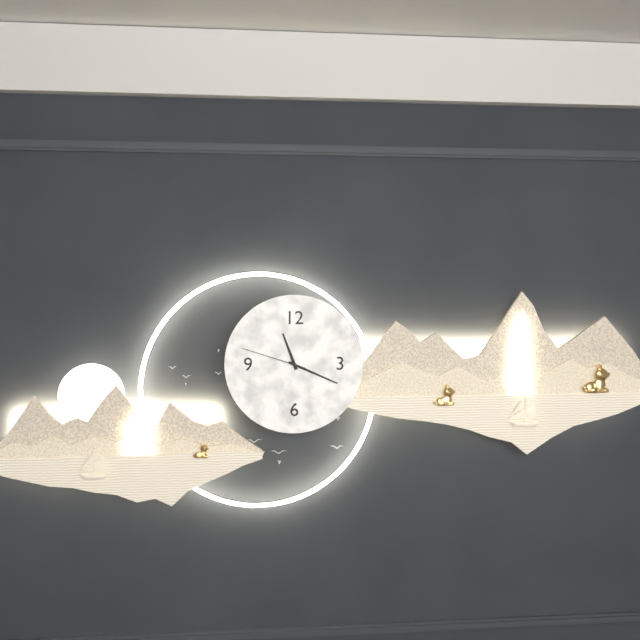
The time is 11:19:48
